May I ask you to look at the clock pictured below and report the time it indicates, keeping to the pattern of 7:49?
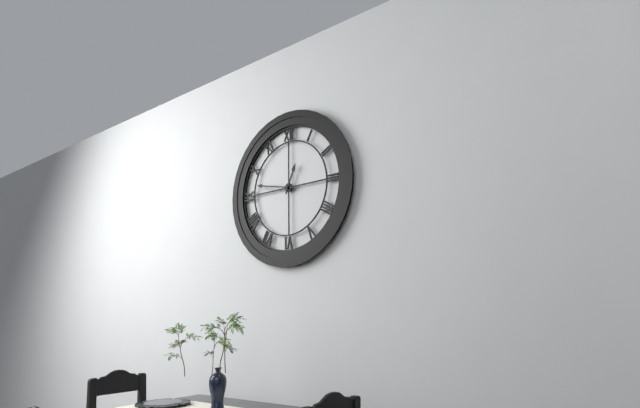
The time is 12:47
